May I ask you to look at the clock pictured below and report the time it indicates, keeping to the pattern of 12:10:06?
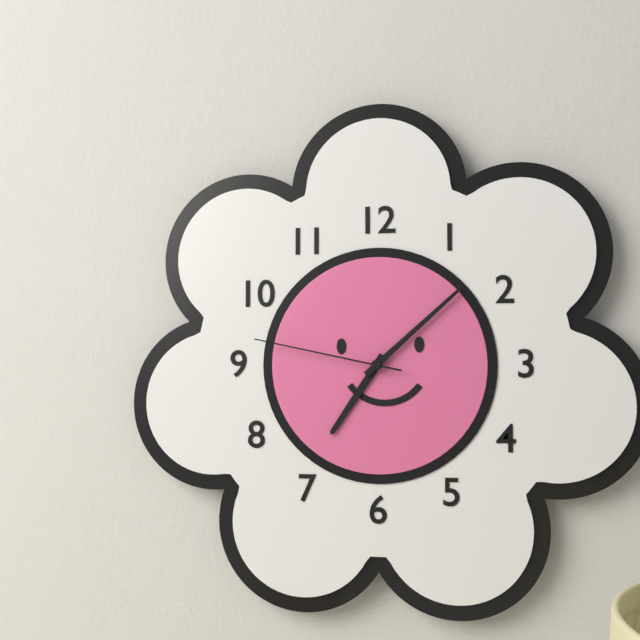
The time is 7:08:47
